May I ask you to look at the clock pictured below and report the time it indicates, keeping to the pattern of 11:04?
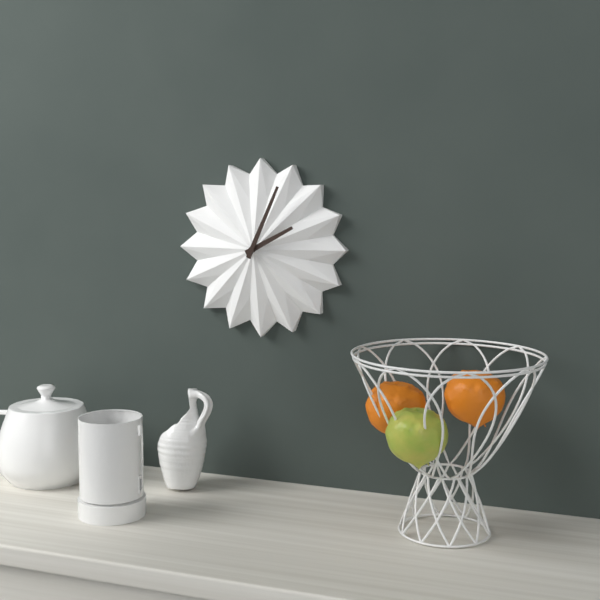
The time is 2:04
